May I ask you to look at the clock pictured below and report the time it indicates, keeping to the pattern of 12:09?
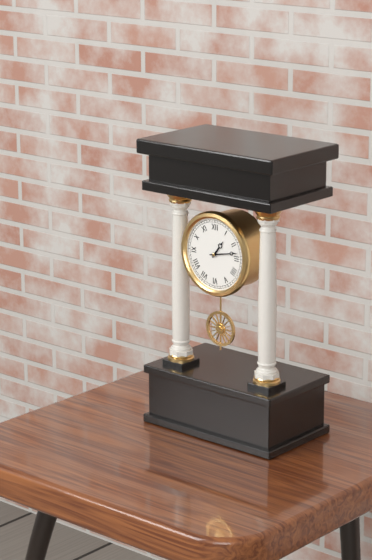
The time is 1:13
